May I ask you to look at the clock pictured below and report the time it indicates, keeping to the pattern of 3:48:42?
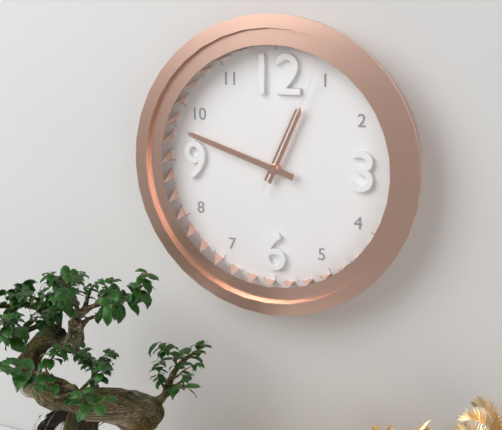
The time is 12:48:04
